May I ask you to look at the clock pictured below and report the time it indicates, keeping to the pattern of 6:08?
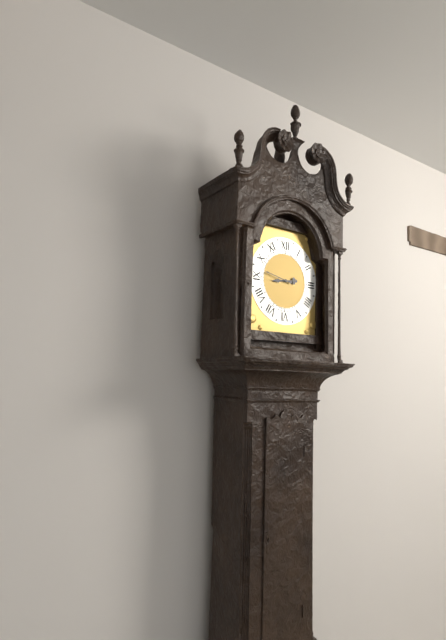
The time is 8:47
